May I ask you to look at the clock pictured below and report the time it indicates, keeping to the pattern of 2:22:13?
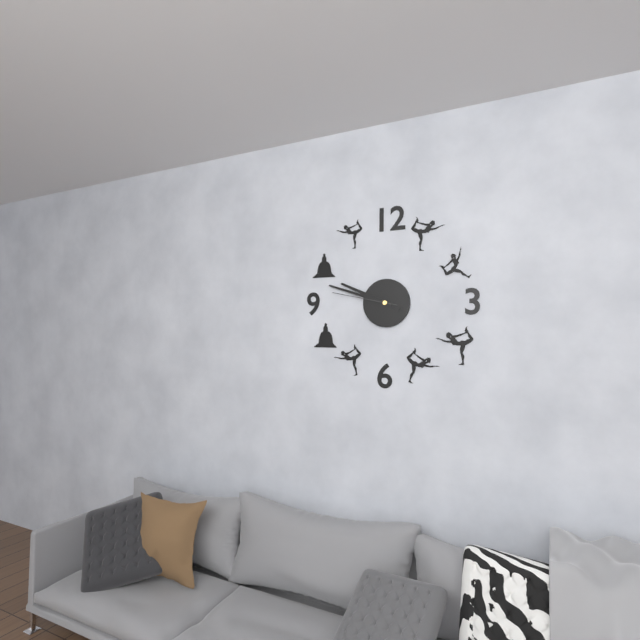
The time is 9:48:47
